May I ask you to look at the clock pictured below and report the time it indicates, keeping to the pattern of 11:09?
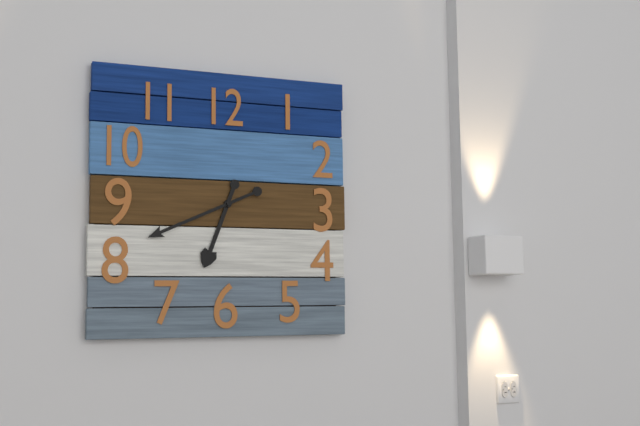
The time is 6:41
